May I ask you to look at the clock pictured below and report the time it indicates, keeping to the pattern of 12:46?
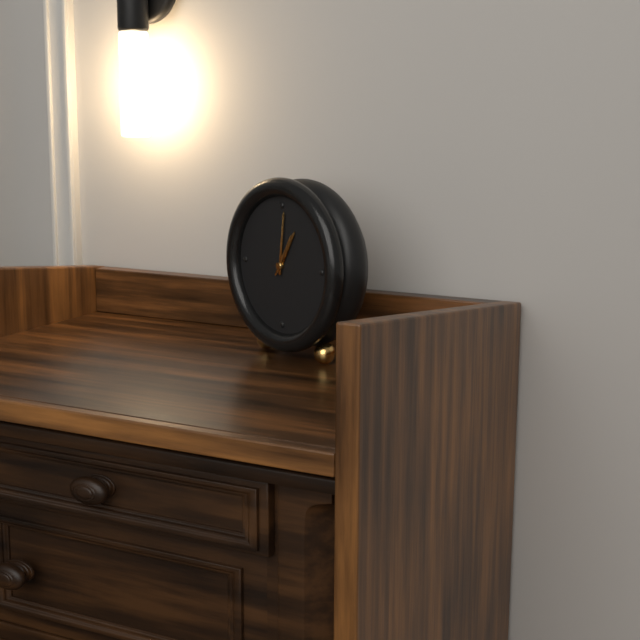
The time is 1:01
